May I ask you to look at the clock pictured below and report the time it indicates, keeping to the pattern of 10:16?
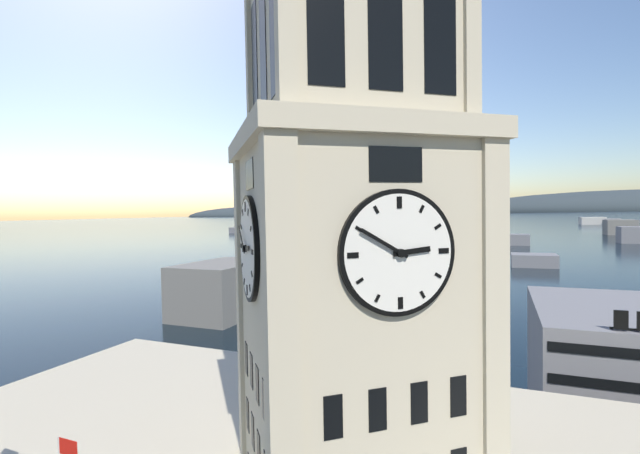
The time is 2:50
